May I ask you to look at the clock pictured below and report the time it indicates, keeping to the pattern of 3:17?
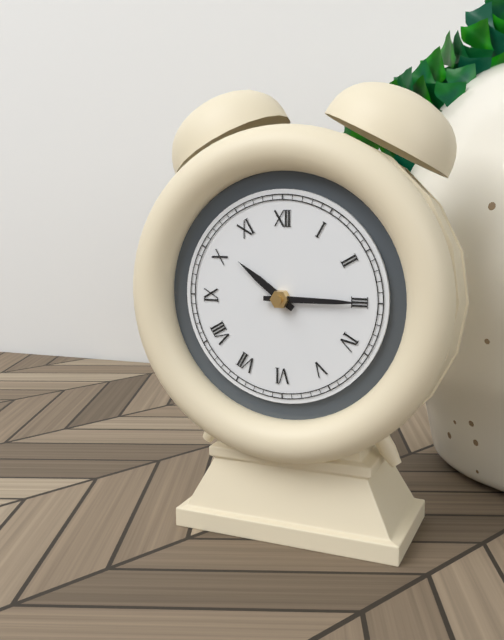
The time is 10:15
